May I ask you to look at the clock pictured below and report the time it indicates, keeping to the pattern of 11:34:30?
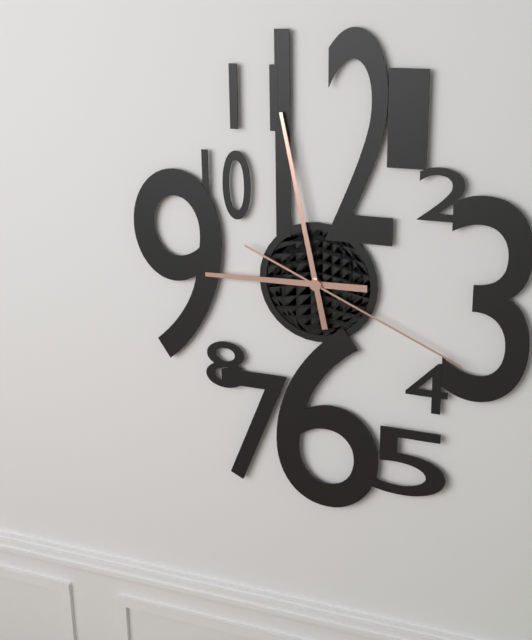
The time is 8:58:19
